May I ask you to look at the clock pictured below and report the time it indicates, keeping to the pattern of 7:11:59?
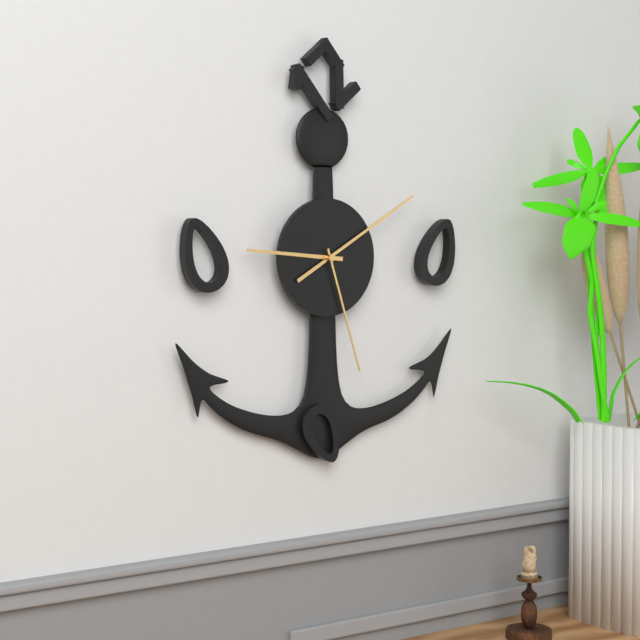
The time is 9:10:27
